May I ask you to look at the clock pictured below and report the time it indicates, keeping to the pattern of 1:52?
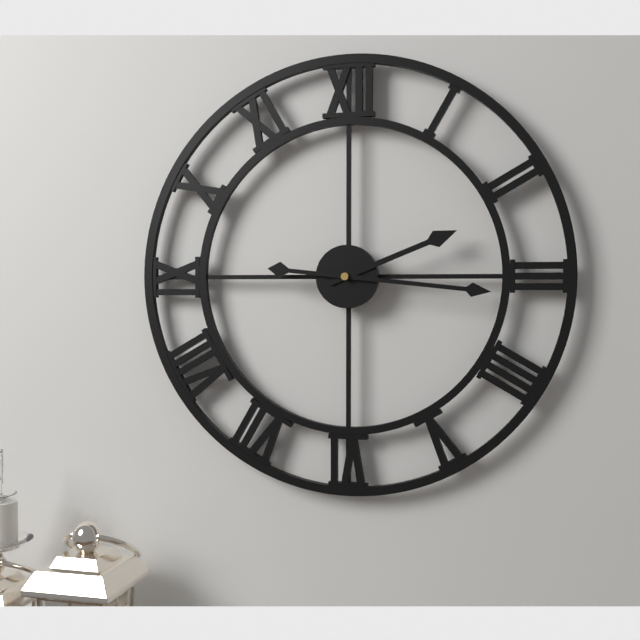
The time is 2:16
